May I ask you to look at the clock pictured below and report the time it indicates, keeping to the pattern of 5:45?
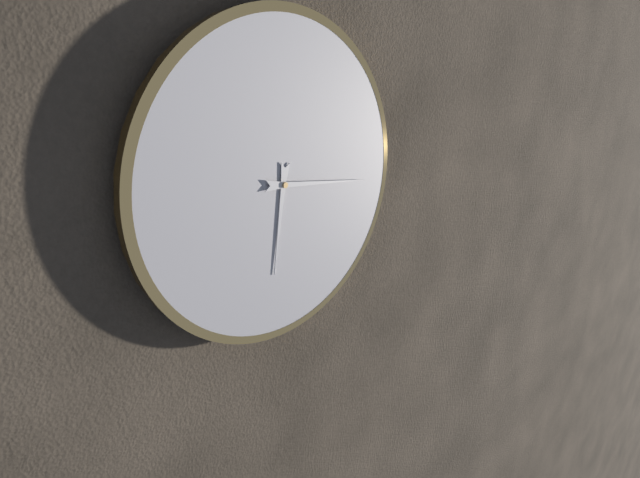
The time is 6:16
